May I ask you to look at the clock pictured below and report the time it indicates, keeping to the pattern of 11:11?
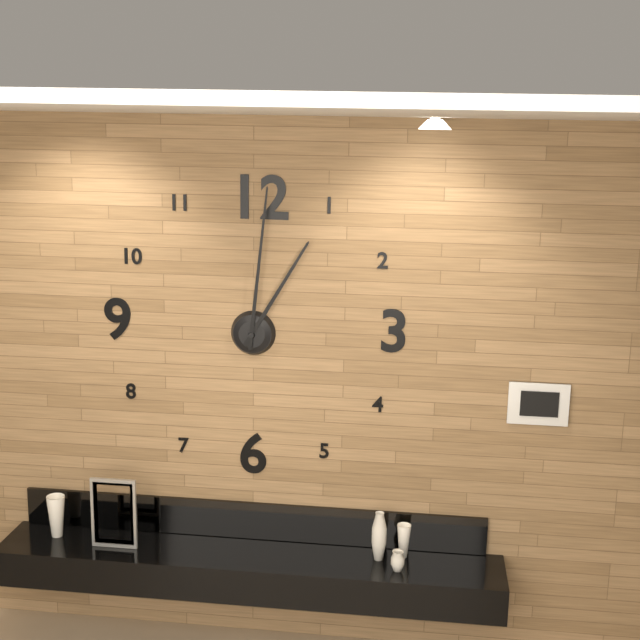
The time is 1:01
